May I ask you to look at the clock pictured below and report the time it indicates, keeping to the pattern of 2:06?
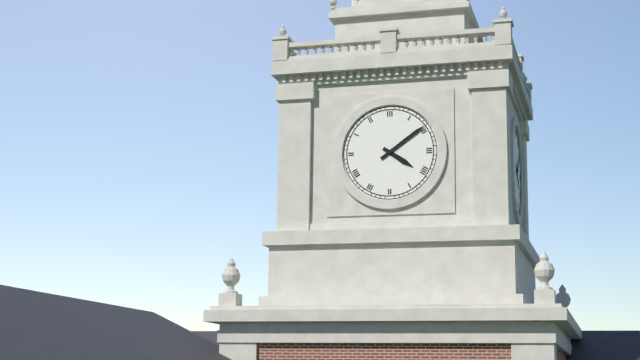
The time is 4:09
